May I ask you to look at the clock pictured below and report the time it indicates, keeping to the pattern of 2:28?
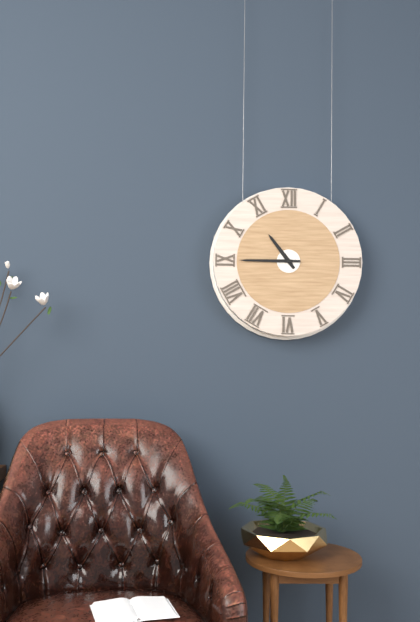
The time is 10:45
